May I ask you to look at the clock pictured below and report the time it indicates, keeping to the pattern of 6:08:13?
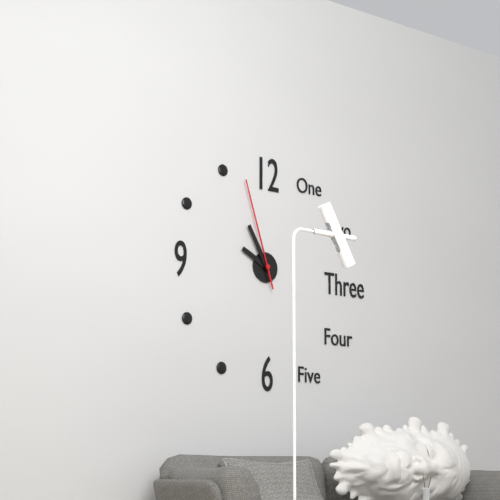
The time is 9:55:57
